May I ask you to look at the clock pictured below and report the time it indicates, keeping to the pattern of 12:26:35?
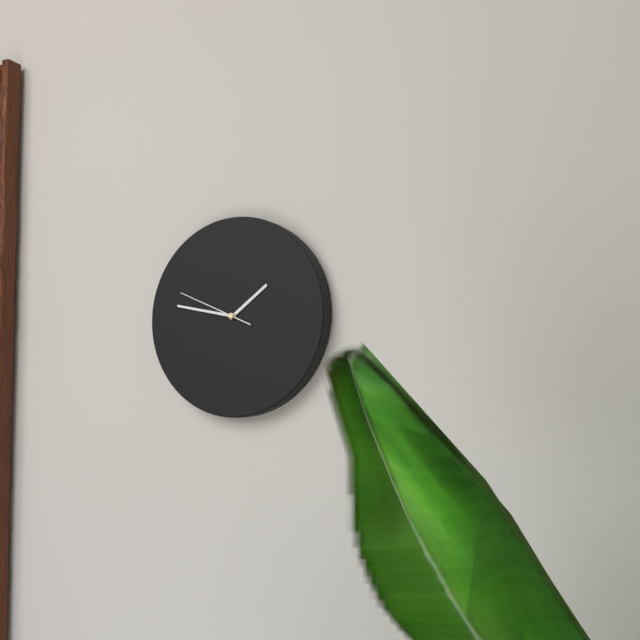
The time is 1:47:49
